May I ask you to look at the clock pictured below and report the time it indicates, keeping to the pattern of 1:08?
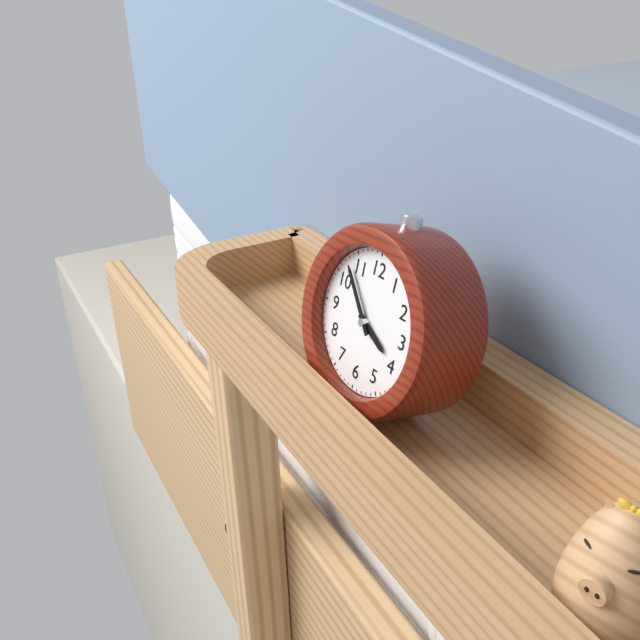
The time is 3:53
